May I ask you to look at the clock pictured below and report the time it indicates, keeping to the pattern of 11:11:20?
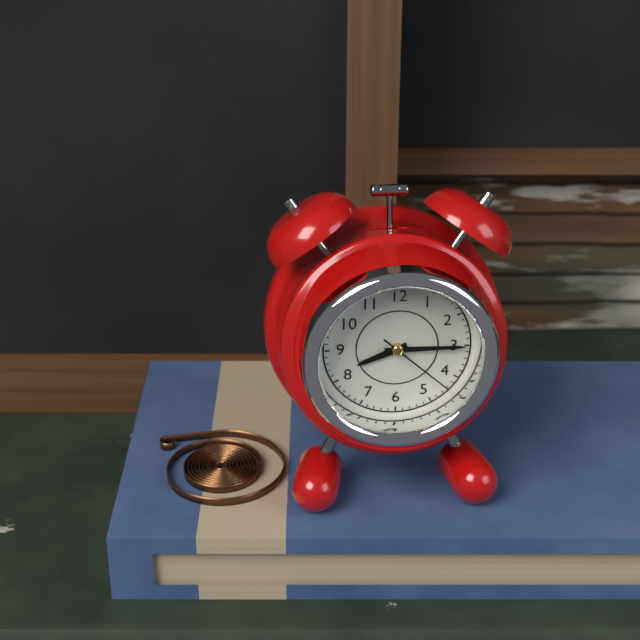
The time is 8:15:22
